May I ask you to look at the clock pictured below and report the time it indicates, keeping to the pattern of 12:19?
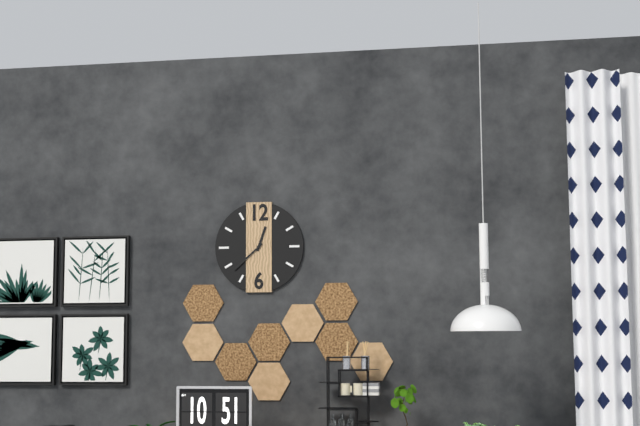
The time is 12:38
